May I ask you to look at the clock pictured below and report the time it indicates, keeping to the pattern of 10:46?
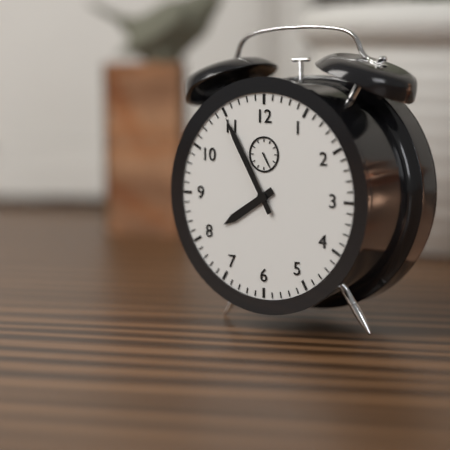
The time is 7:55
